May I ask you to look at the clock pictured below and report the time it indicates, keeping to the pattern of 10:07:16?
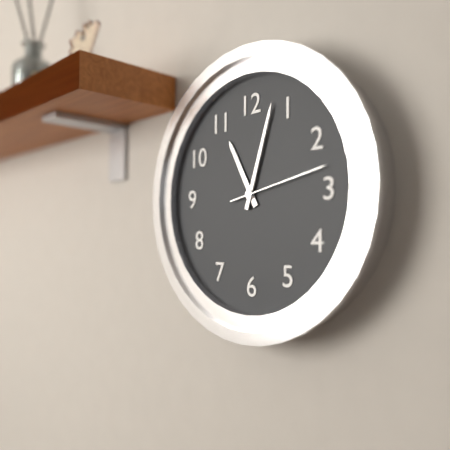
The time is 11:03:13
